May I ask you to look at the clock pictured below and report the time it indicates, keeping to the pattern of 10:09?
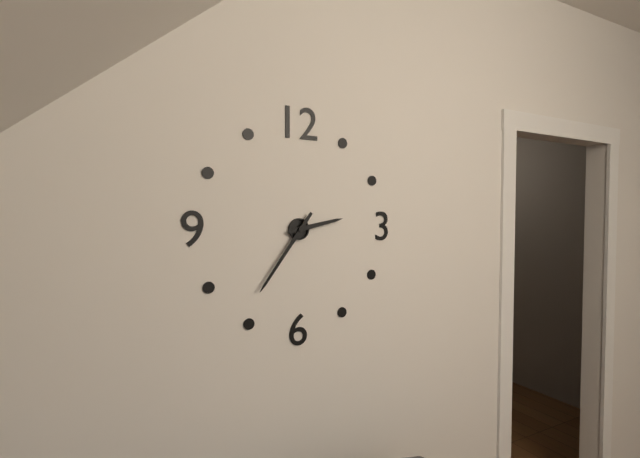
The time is 2:36
